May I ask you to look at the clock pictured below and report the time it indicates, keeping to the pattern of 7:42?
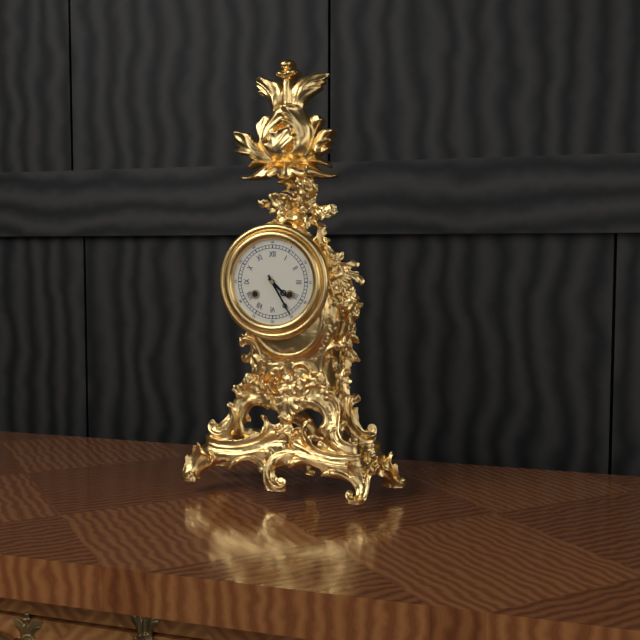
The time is 4:25
